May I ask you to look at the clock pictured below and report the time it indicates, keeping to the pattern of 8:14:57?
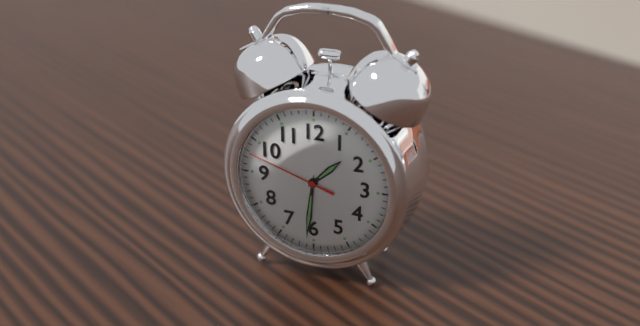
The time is 1:31:48
